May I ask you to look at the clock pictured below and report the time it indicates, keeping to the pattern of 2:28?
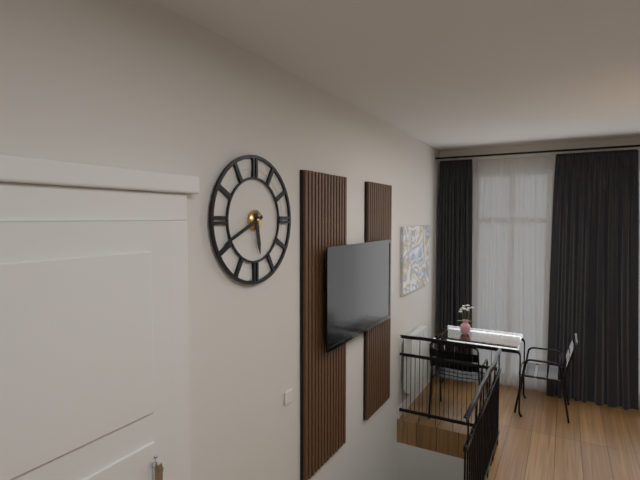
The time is 5:41
